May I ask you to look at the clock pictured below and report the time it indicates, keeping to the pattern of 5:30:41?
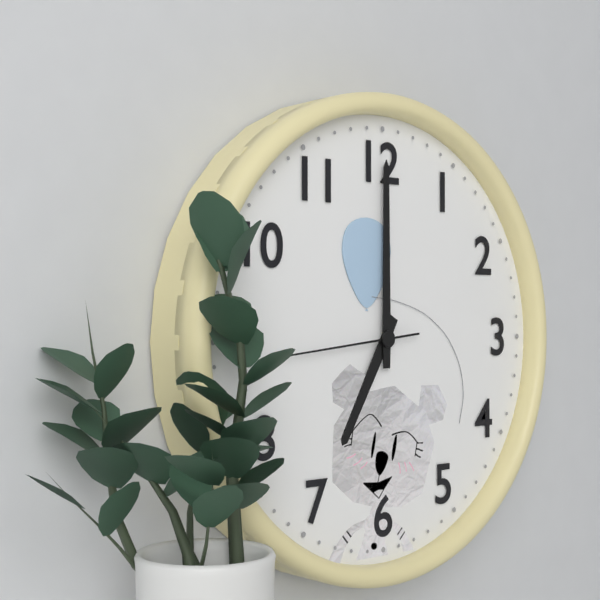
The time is 7:00:44
